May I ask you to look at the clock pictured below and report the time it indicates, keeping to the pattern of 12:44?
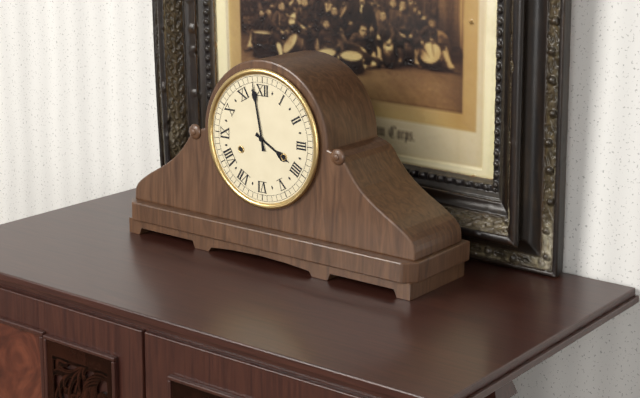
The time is 3:58
